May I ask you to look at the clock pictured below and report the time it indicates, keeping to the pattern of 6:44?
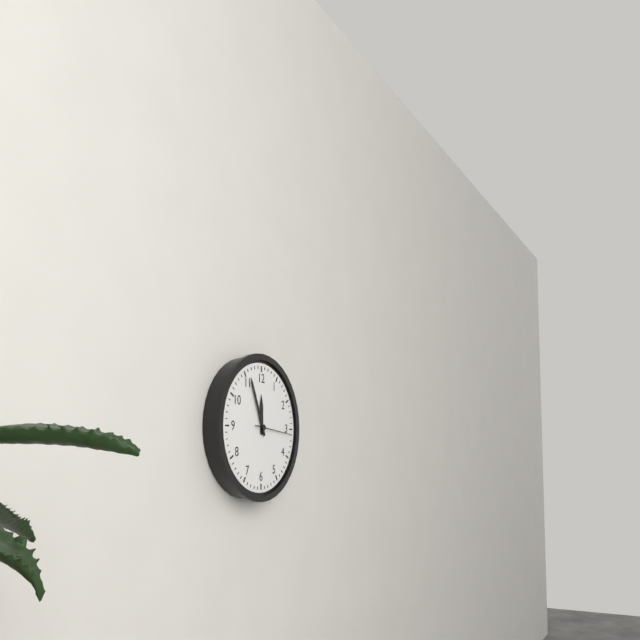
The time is 11:56
